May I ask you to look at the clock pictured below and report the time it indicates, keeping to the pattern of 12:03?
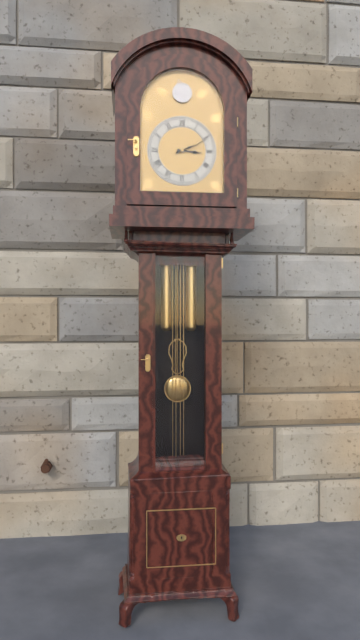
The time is 3:11
